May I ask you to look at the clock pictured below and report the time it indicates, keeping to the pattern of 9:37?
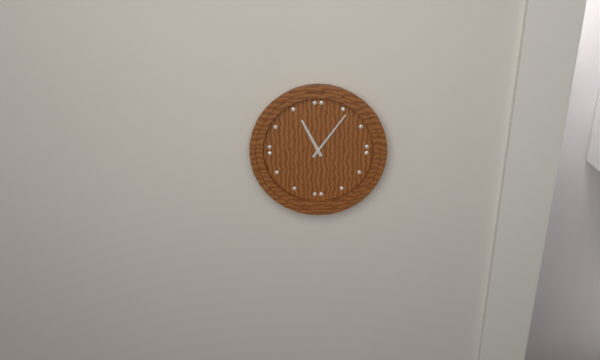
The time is 11:06
